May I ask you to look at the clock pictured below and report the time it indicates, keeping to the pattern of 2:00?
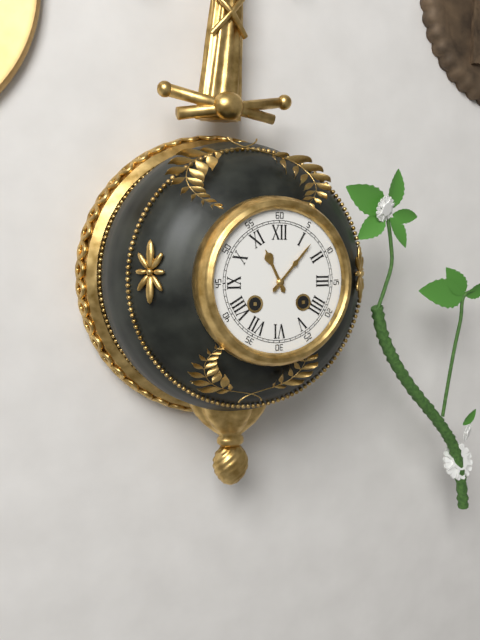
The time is 11:07
